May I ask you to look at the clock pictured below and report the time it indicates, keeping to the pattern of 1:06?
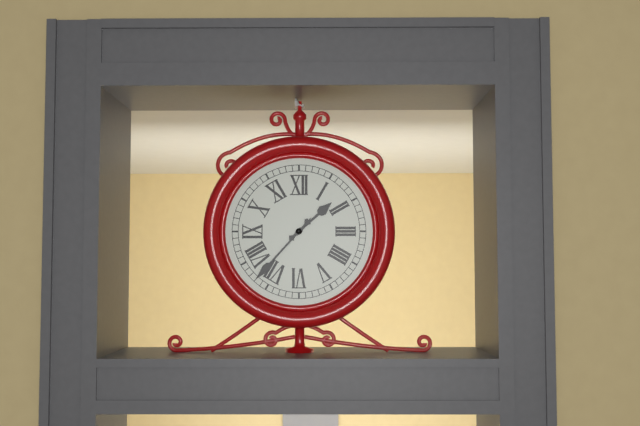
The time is 1:37
